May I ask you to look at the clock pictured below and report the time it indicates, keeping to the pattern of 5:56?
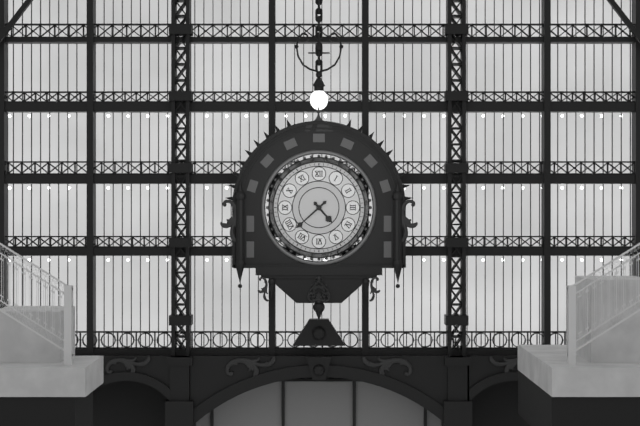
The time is 4:38
